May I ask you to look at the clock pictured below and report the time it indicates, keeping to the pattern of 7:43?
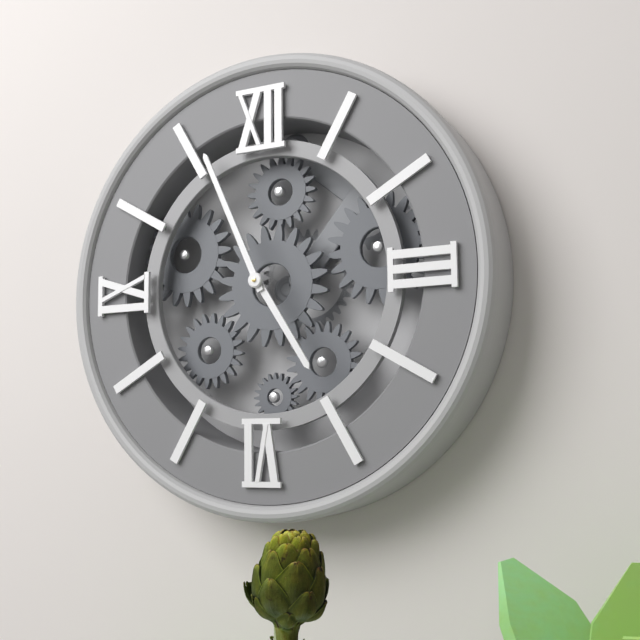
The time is 4:56
